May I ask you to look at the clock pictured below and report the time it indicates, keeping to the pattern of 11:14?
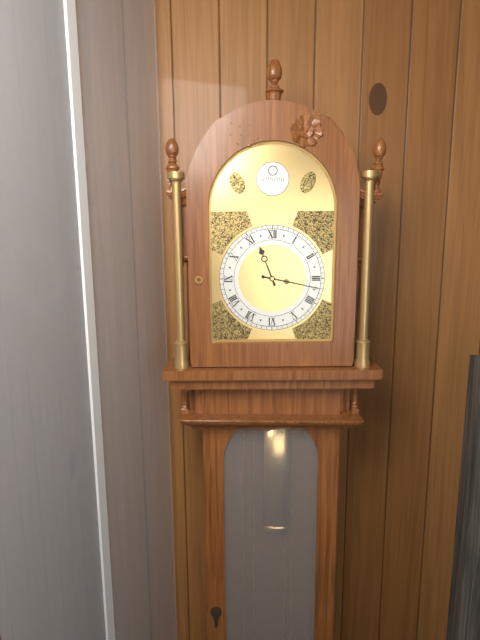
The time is 11:17
